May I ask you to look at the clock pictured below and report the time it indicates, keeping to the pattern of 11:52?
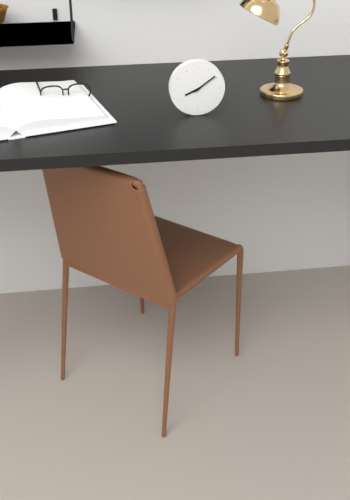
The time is 8:09
